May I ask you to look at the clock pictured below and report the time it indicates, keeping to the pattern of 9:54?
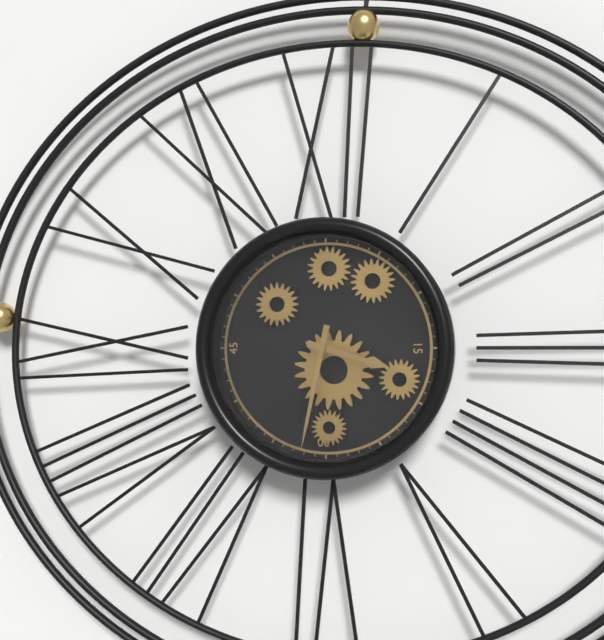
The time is 3:32
